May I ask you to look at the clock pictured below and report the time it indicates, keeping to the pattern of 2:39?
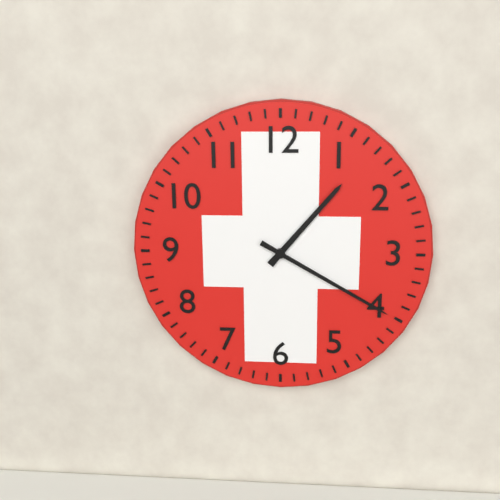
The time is 1:20
